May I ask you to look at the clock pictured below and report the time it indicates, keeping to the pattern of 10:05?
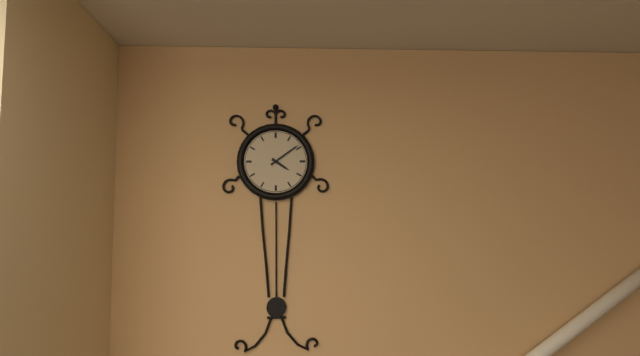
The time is 4:09
